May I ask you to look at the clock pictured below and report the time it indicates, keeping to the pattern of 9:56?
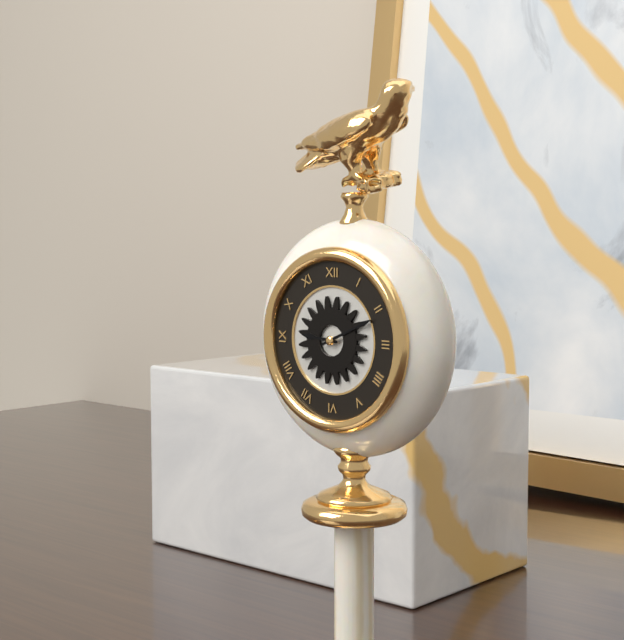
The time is 9:11
